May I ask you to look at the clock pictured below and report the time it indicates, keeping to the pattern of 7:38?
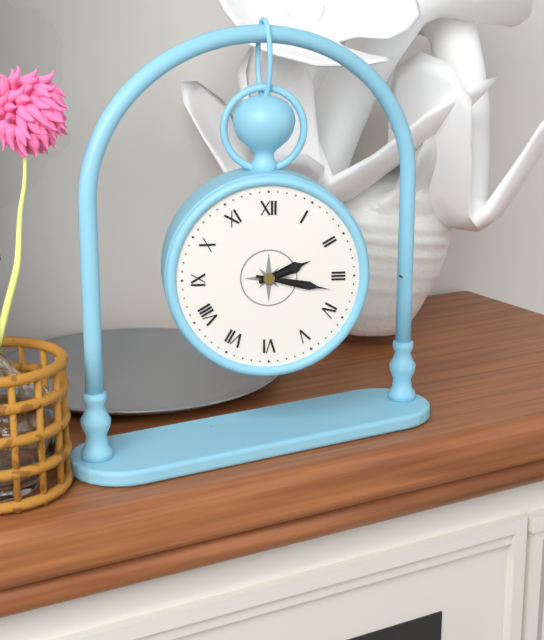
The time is 2:17
